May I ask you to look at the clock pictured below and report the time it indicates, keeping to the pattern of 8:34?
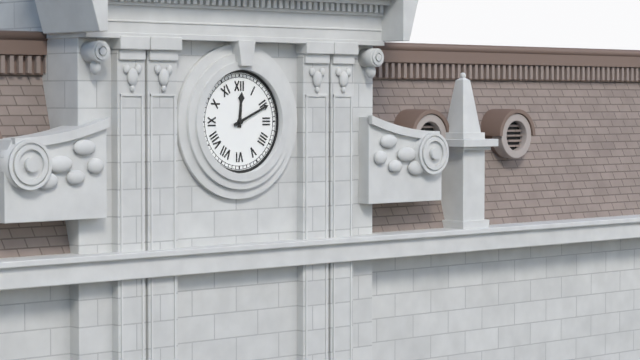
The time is 12:11
